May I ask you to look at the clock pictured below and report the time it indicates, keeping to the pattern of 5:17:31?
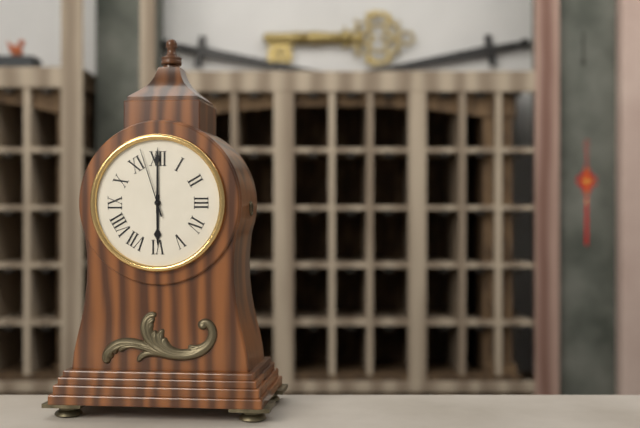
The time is 6:00:57
